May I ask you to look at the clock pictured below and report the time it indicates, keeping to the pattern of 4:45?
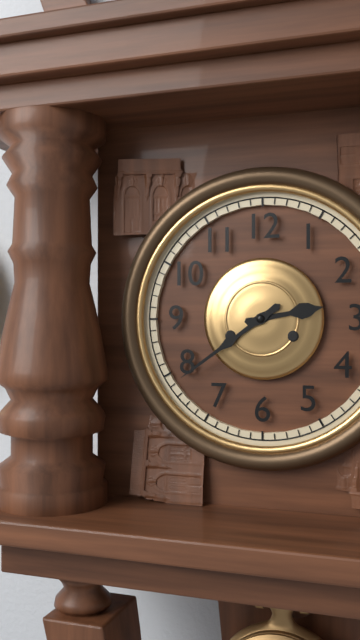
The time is 2:39
